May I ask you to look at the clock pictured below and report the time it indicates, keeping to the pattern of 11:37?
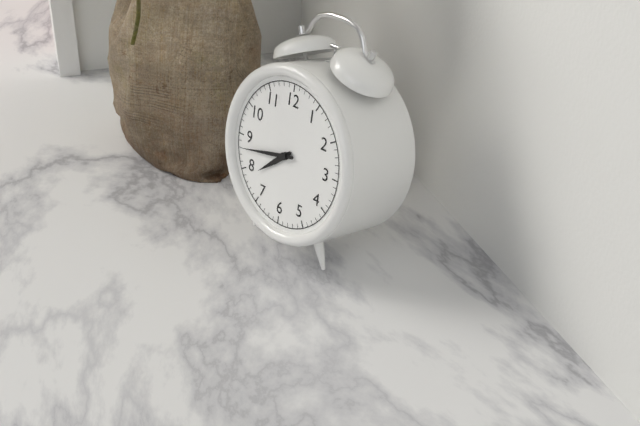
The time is 7:43
